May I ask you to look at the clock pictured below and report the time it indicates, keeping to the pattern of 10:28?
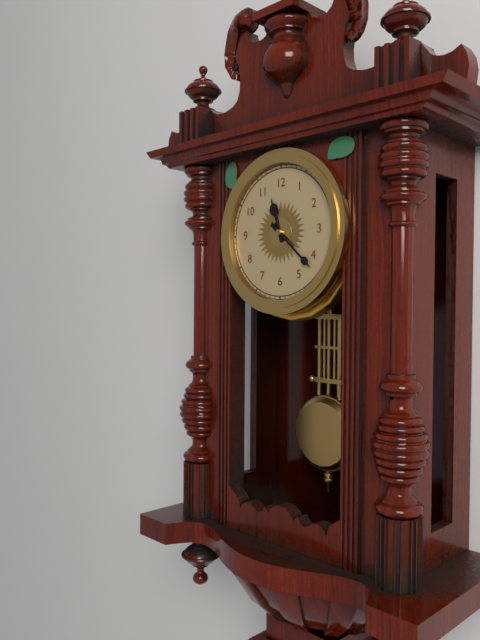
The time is 11:22
